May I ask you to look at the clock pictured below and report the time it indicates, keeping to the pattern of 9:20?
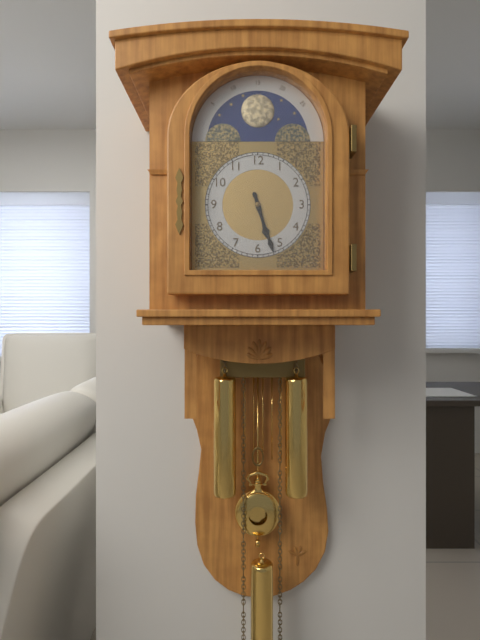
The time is 5:27
